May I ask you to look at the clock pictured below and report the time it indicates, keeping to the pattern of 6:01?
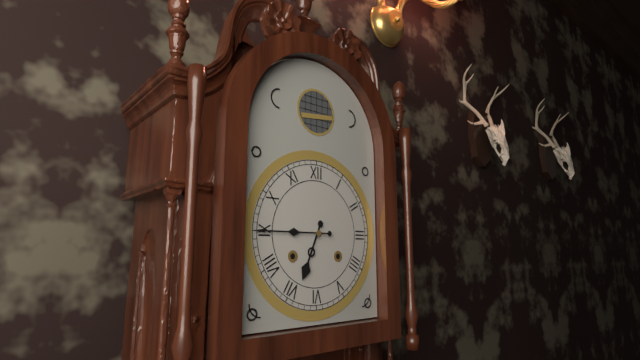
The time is 6:45
